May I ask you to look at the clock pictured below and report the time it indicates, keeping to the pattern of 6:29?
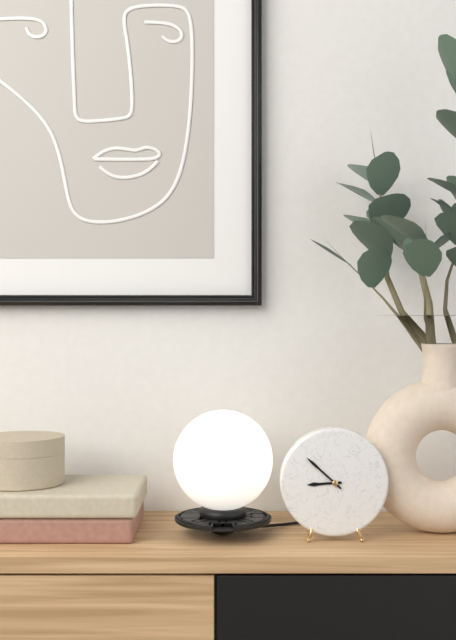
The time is 8:52
